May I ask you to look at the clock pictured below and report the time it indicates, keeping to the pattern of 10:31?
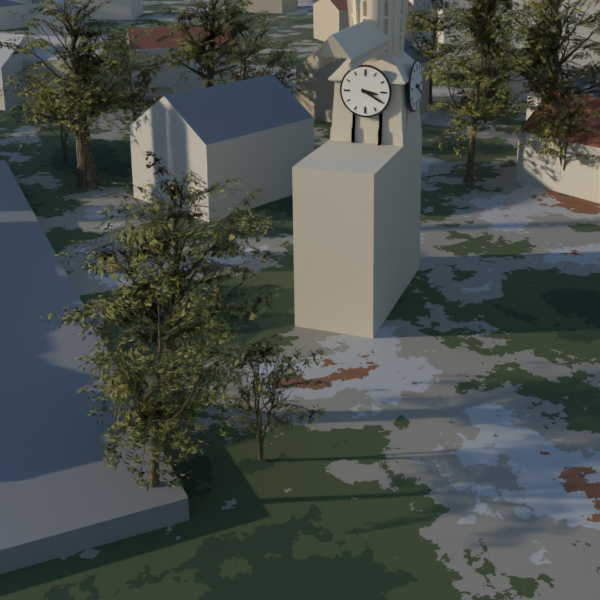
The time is 3:20
